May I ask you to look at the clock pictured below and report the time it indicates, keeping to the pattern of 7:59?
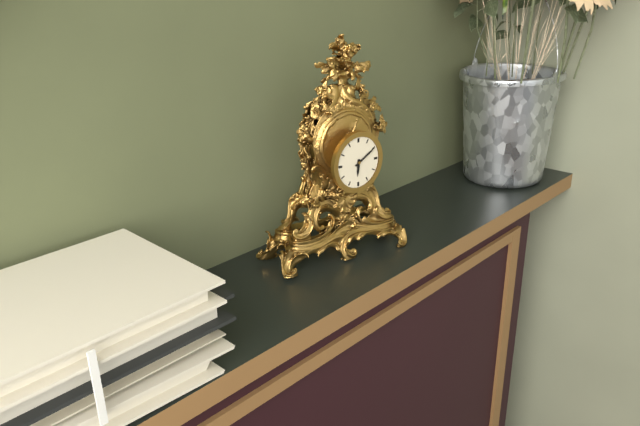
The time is 6:10
